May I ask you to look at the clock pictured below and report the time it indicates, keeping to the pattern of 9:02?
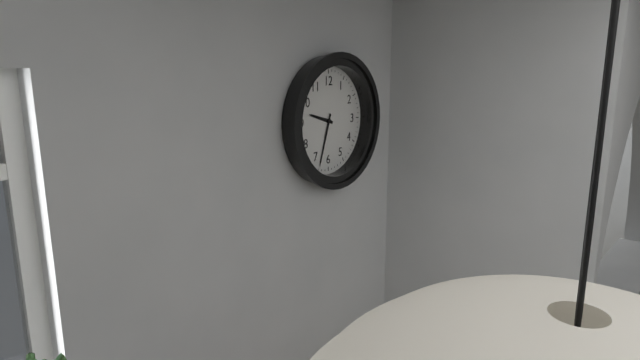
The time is 9:33
